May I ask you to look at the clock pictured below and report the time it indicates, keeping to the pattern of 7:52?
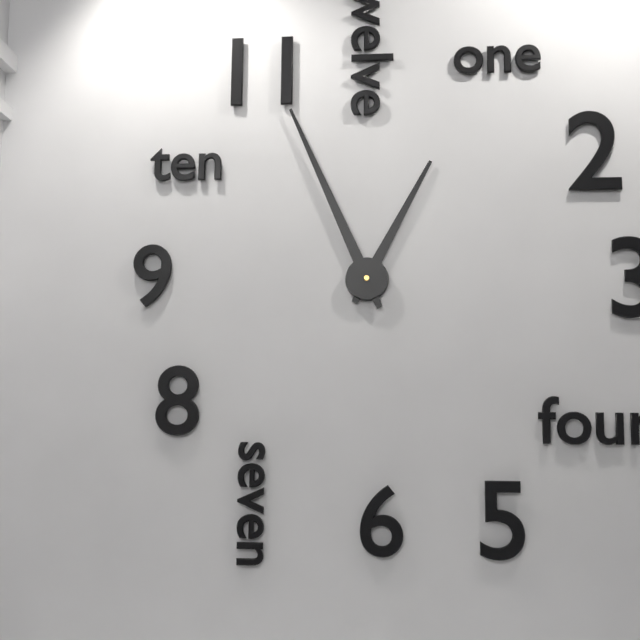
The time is 12:56
